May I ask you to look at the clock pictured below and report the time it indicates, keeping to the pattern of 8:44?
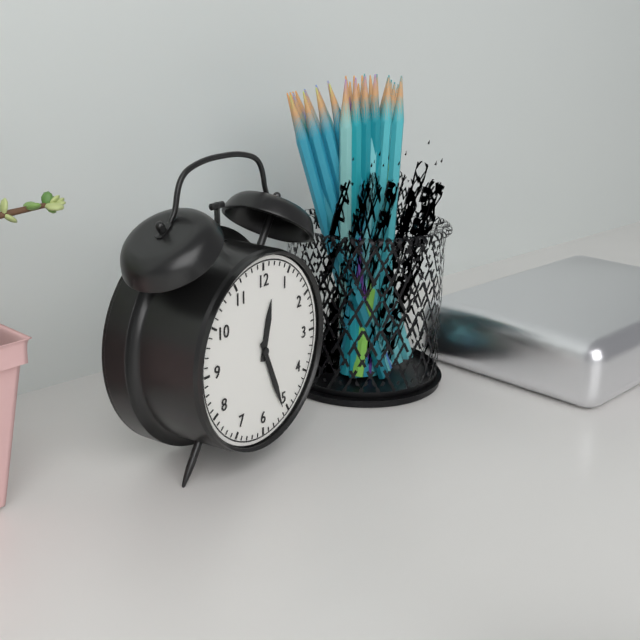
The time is 12:26
